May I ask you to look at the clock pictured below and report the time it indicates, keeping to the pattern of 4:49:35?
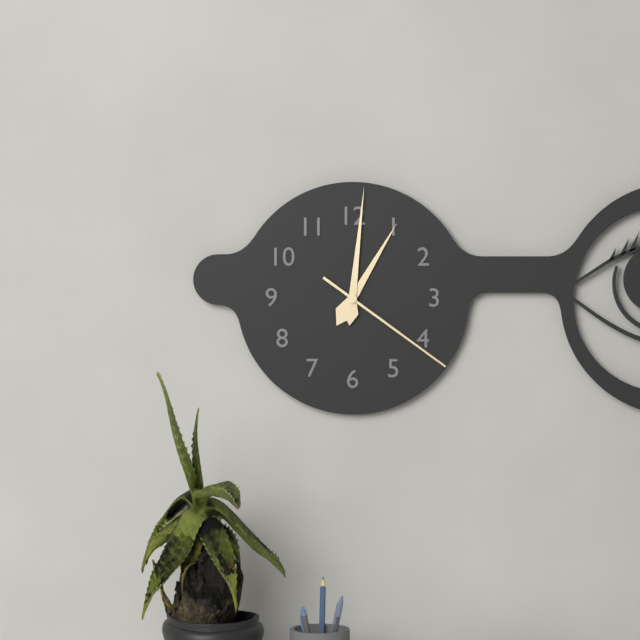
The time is 1:01:21
